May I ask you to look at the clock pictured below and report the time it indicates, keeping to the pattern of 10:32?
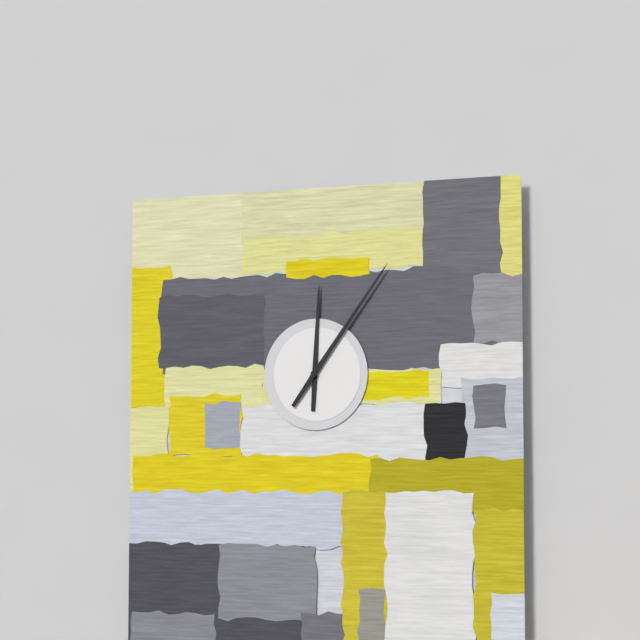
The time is 12:06
